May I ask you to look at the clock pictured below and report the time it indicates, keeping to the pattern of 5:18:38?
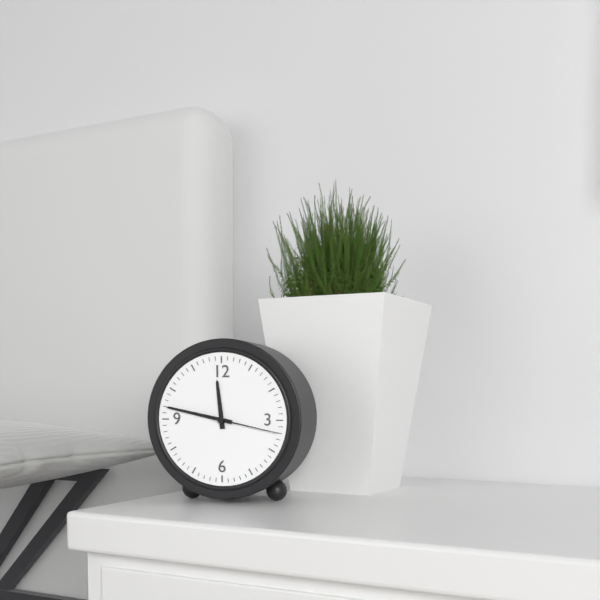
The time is 11:47:17
